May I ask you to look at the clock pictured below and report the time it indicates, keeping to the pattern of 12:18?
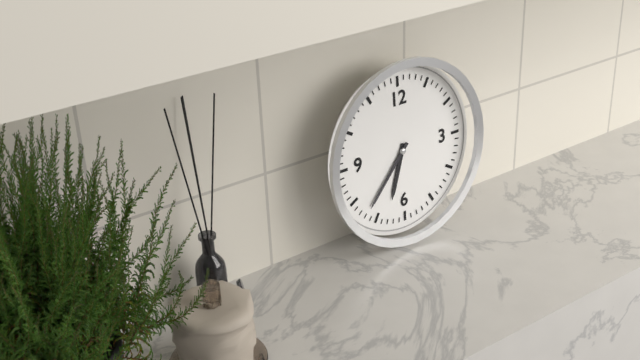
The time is 6:37
